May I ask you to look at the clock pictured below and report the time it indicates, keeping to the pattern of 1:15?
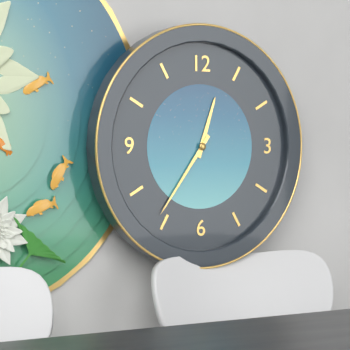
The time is 12:36
